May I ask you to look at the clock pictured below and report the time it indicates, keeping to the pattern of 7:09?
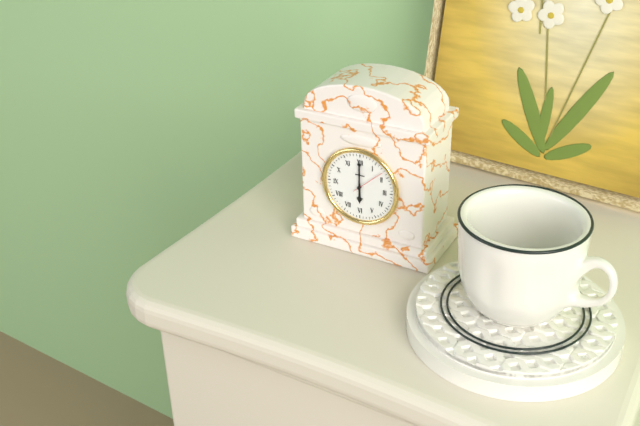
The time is 6:00
